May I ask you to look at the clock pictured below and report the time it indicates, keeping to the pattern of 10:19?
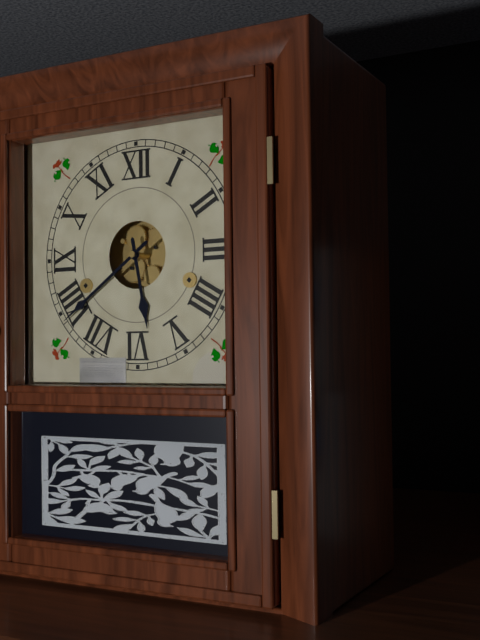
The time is 5:39
